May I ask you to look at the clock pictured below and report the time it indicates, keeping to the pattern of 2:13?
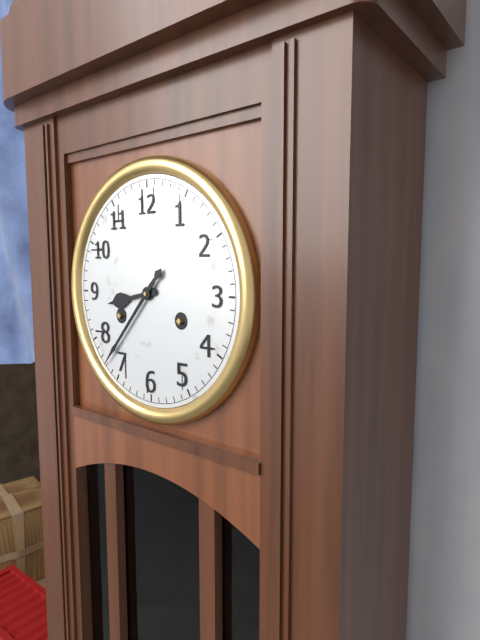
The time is 8:37
